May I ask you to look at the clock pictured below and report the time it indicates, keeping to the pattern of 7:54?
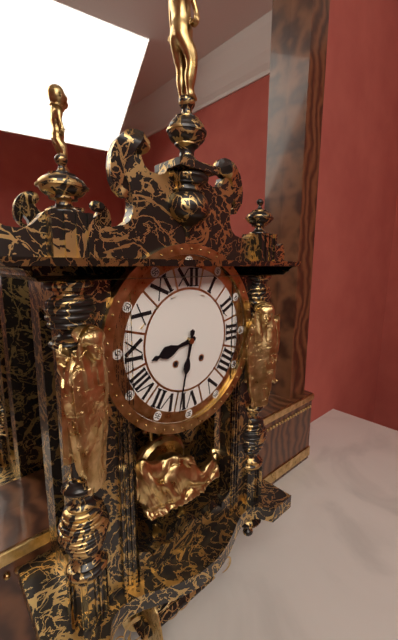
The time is 8:32
